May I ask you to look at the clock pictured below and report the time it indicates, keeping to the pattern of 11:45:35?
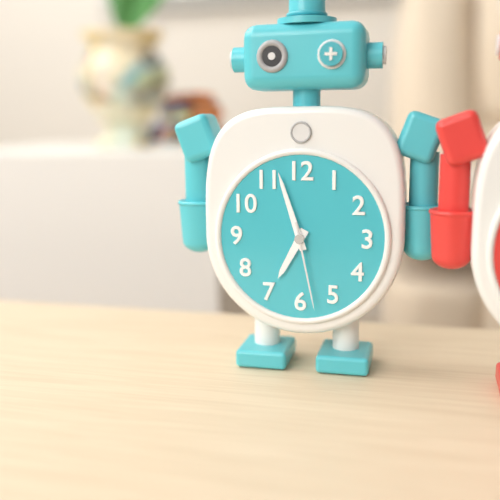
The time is 6:57:28
